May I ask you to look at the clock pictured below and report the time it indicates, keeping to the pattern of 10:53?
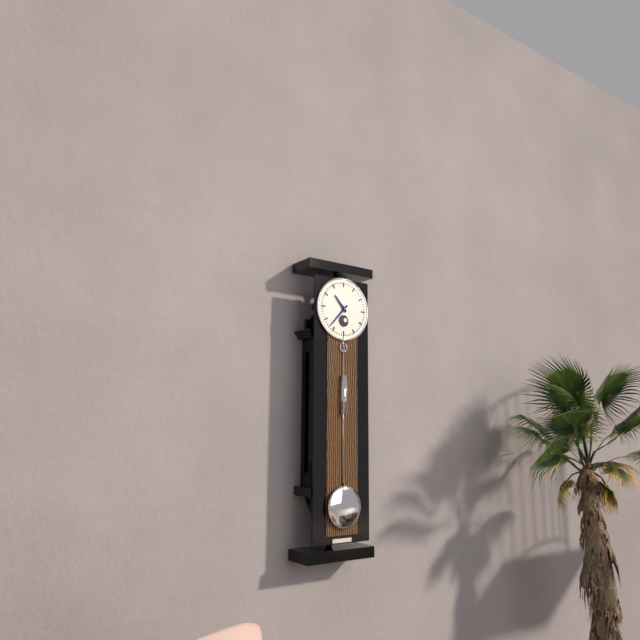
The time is 10:37
